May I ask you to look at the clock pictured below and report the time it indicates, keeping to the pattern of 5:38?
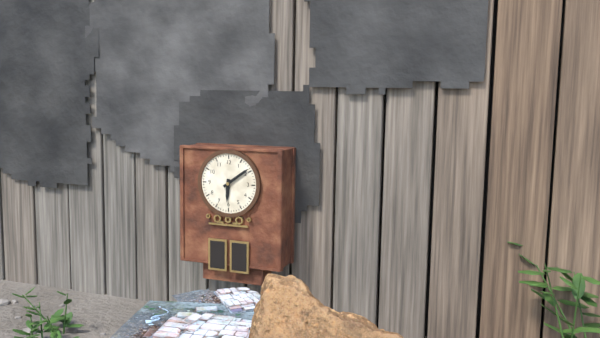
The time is 6:09
